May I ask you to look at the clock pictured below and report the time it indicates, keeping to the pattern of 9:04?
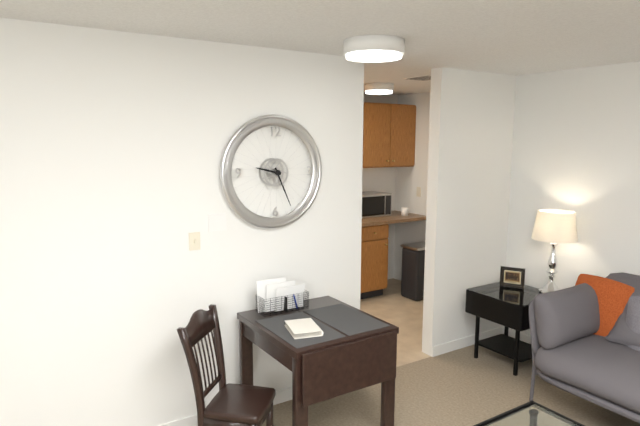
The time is 9:26
